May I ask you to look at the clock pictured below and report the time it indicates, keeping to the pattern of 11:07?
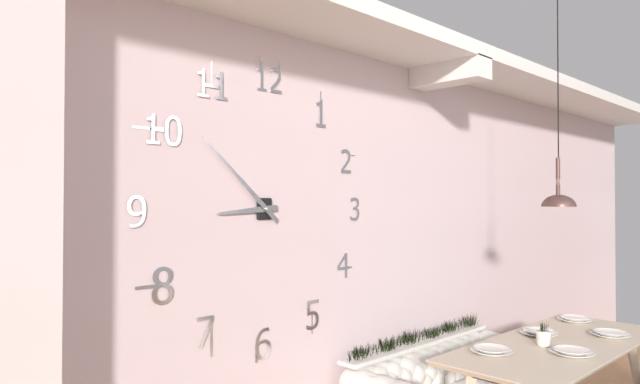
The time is 8:52
